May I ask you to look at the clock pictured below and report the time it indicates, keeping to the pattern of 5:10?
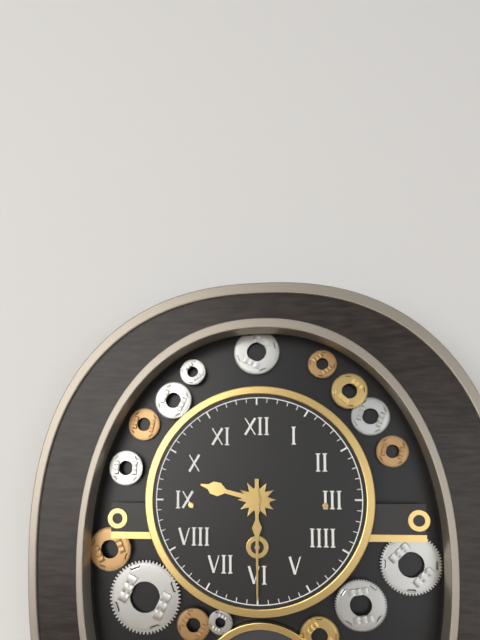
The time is 9:30
